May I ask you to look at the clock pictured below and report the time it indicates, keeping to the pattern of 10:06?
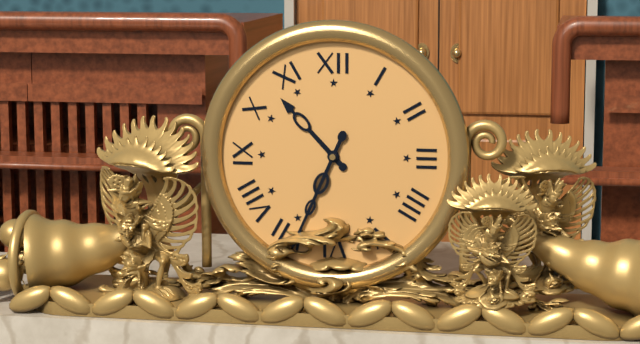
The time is 10:34
